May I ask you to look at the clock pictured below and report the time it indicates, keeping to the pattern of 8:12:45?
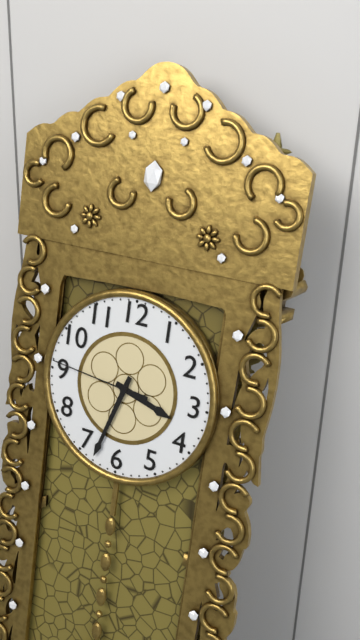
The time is 3:33:46
